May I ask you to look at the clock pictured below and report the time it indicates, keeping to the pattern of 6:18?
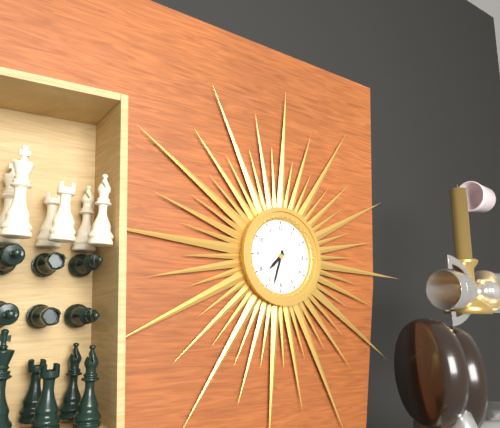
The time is 7:33
